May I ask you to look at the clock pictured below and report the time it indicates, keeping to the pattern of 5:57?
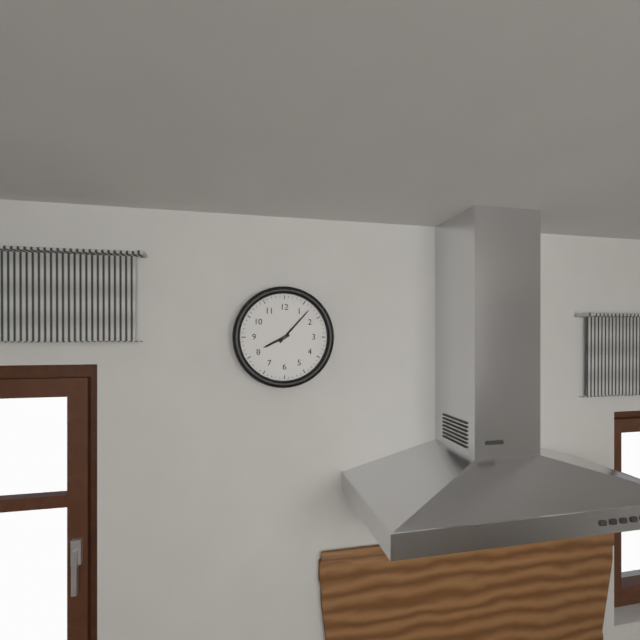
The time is 8:07
